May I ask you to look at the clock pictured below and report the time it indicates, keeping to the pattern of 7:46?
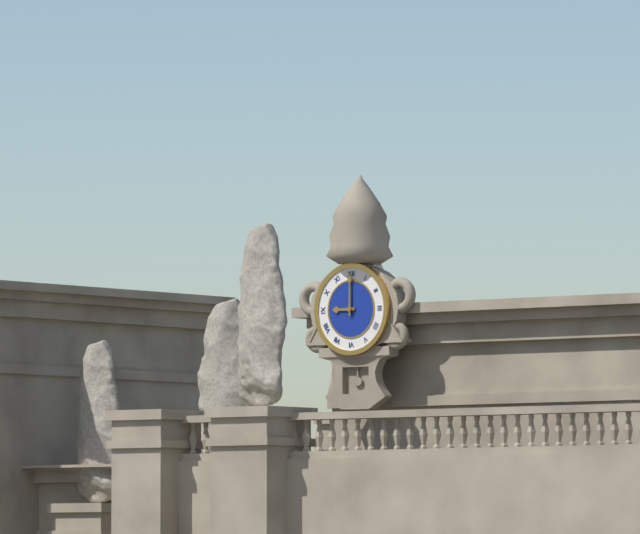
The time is 9:00
